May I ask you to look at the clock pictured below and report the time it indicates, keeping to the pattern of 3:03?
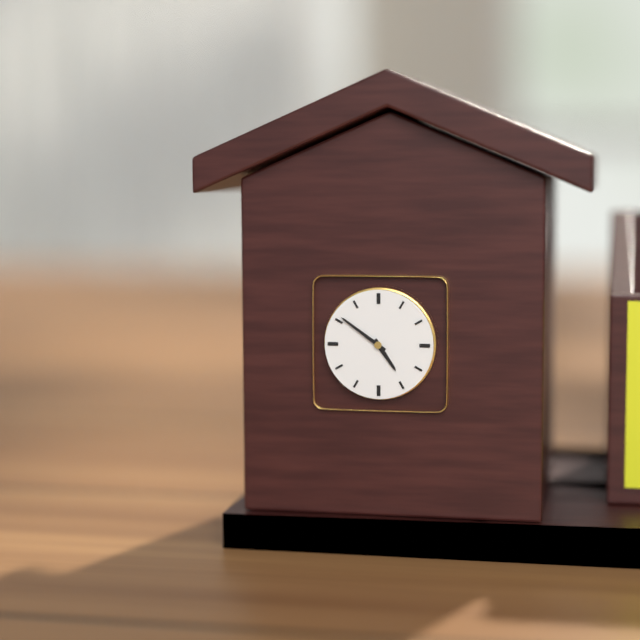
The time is 4:51
